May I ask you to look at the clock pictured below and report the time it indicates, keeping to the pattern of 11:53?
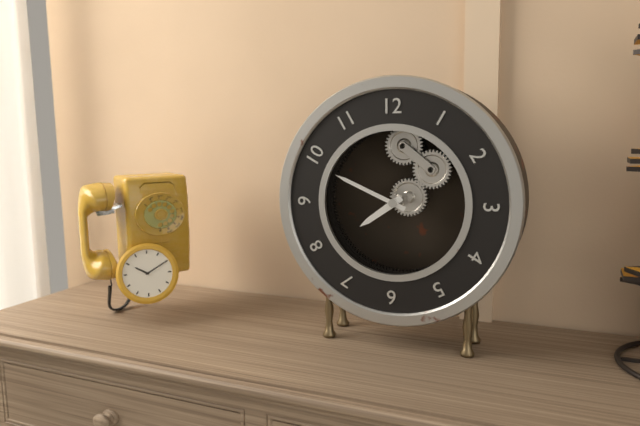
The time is 7:49
